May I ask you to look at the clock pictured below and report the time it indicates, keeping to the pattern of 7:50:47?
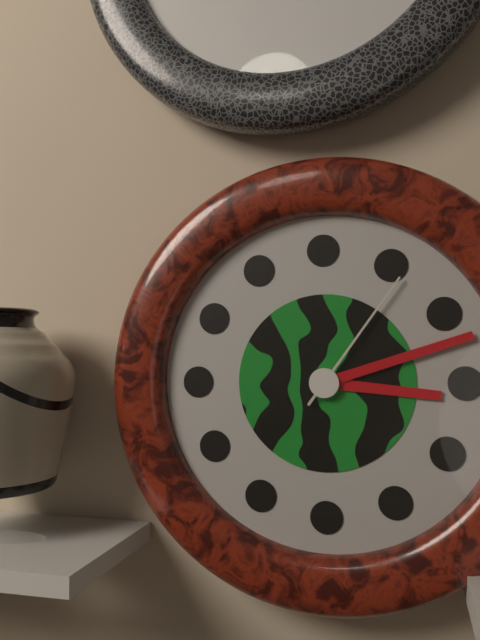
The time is 3:12:06
